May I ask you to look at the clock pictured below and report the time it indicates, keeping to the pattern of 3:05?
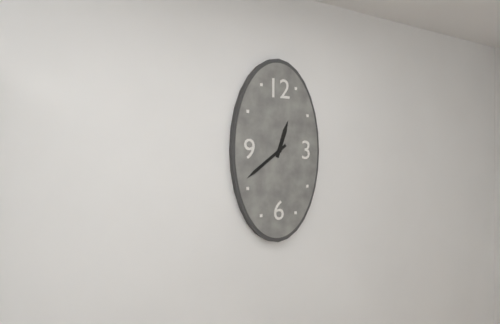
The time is 12:39
